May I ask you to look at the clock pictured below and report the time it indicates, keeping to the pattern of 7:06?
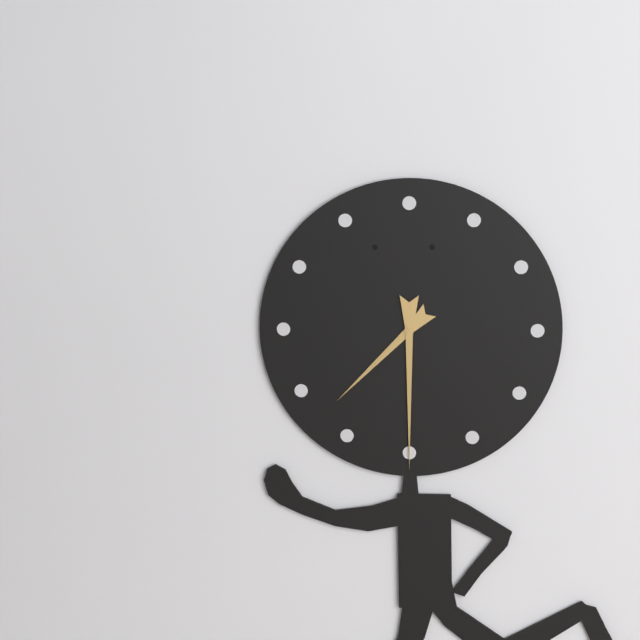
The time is 7:30
